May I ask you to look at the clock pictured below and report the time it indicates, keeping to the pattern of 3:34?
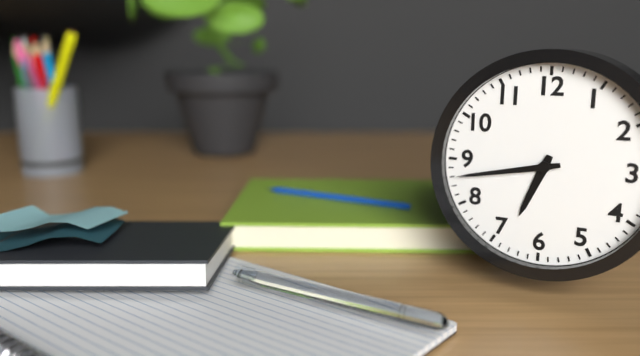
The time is 6:43
